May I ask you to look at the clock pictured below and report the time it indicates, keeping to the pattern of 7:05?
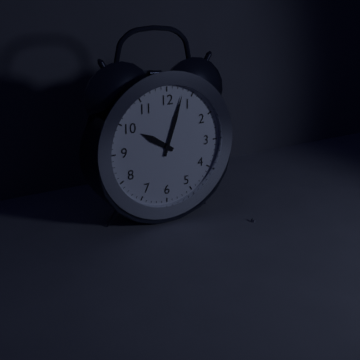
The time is 10:03
